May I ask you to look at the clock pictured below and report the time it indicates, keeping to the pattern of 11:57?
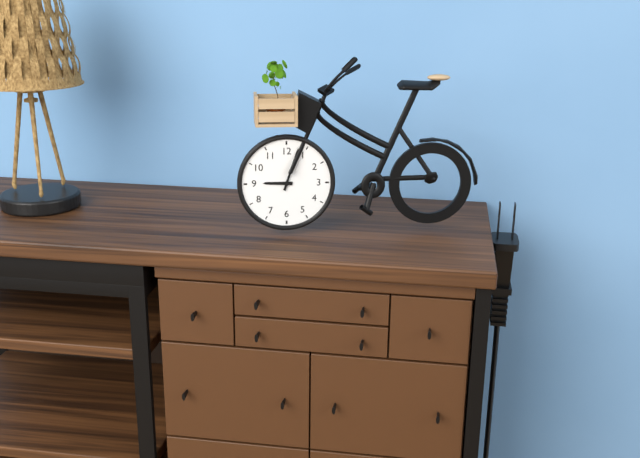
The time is 9:03
